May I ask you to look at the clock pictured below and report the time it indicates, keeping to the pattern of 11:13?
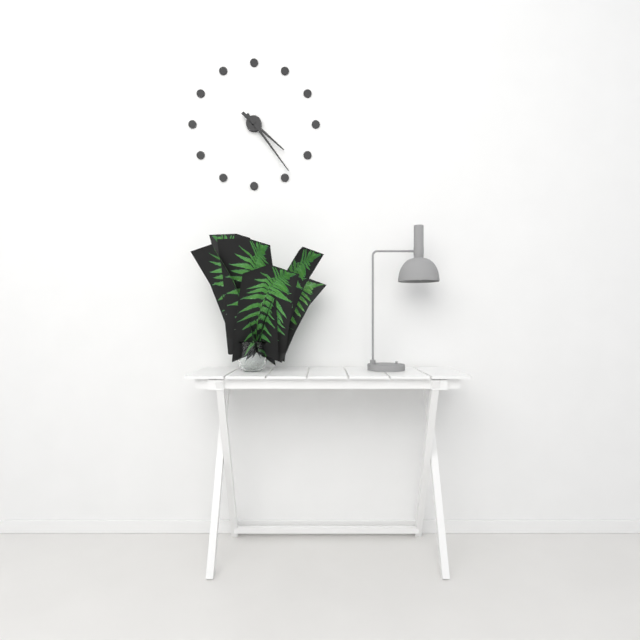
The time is 4:24
